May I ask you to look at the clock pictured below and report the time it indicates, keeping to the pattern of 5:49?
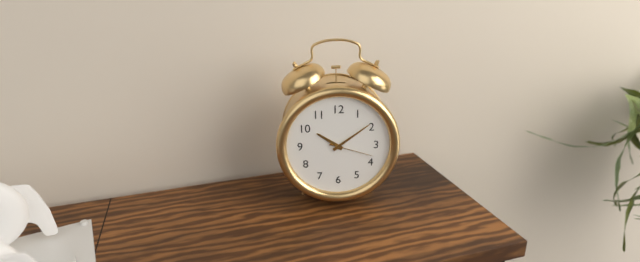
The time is 10:09
